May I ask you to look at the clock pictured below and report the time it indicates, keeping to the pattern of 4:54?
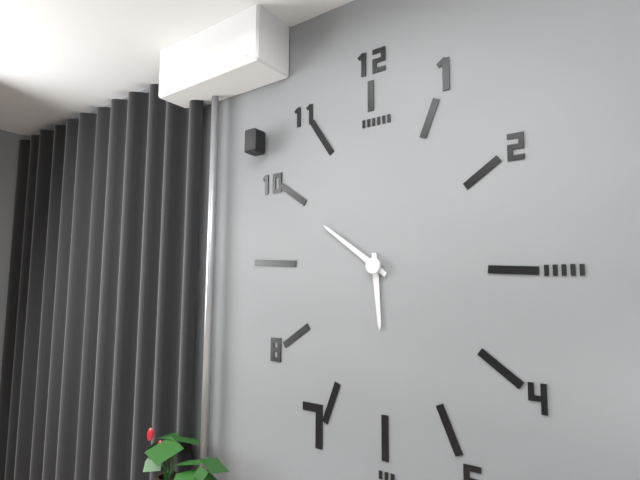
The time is 5:51
